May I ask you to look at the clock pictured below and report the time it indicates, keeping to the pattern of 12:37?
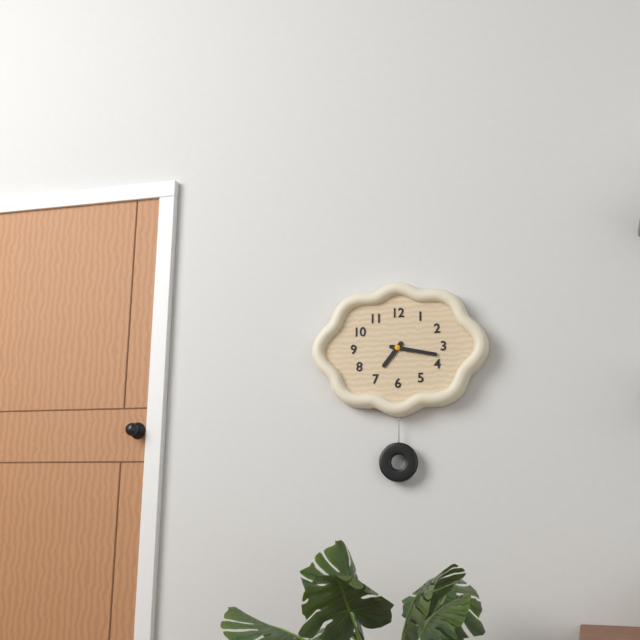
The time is 7:17
